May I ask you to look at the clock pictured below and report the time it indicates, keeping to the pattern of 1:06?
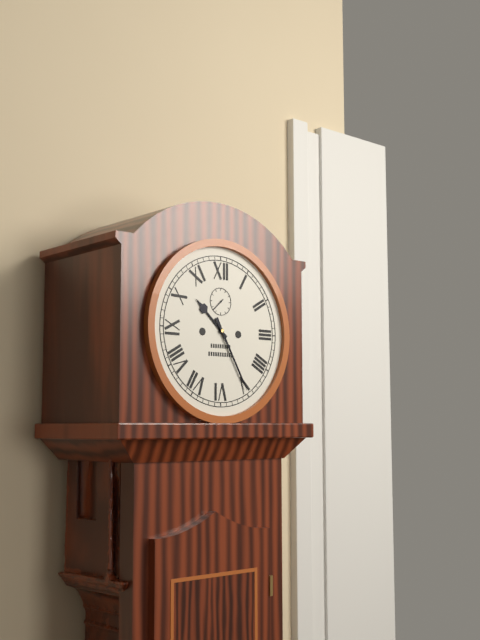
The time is 10:25
